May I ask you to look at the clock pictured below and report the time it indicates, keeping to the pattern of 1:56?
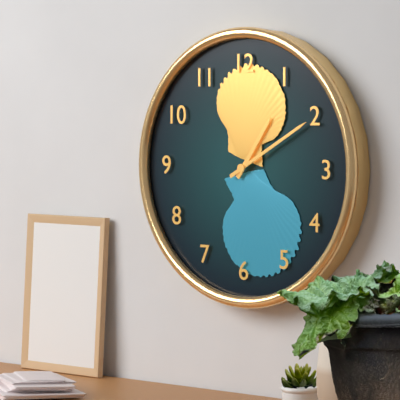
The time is 1:10
